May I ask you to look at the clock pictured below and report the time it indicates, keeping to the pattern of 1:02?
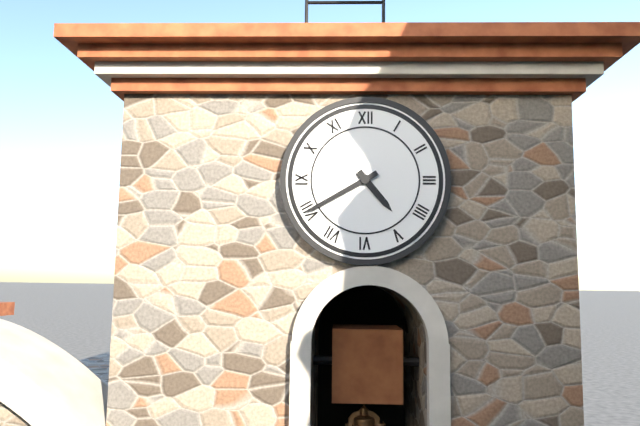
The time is 4:40
